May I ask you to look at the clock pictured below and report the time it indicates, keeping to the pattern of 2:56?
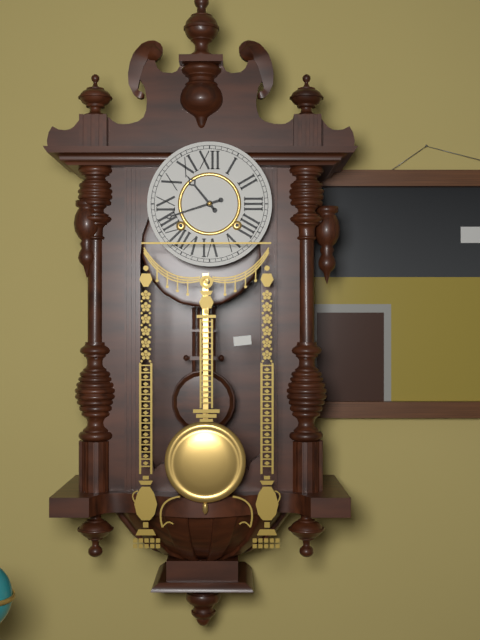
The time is 10:42
